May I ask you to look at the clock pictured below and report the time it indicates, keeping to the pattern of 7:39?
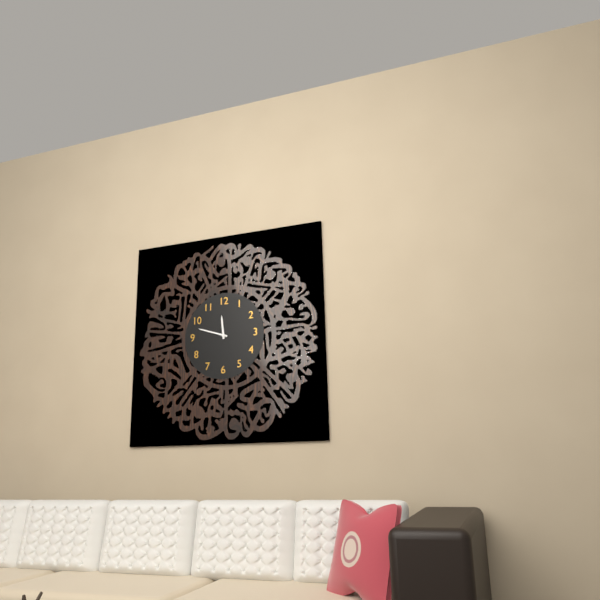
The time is 11:48
